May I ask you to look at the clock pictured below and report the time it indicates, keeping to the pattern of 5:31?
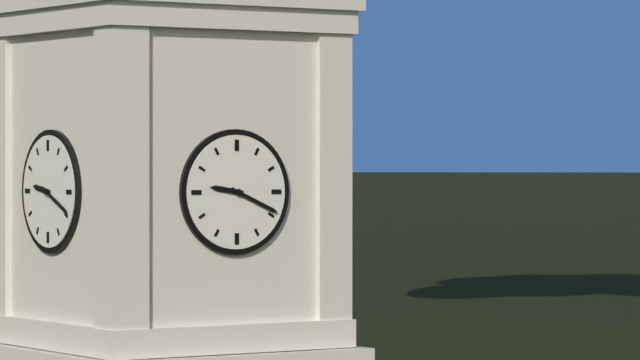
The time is 9:19
